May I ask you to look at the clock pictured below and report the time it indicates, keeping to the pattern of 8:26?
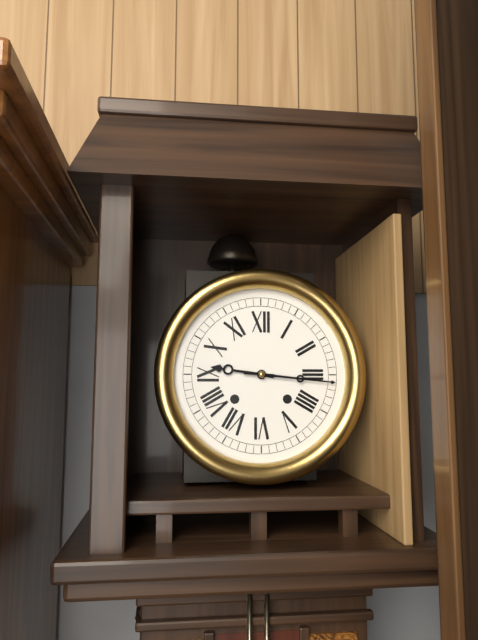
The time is 9:16
